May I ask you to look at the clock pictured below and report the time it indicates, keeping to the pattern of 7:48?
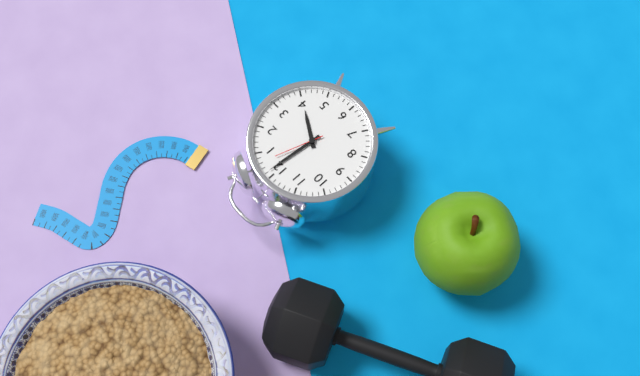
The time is 4:01
